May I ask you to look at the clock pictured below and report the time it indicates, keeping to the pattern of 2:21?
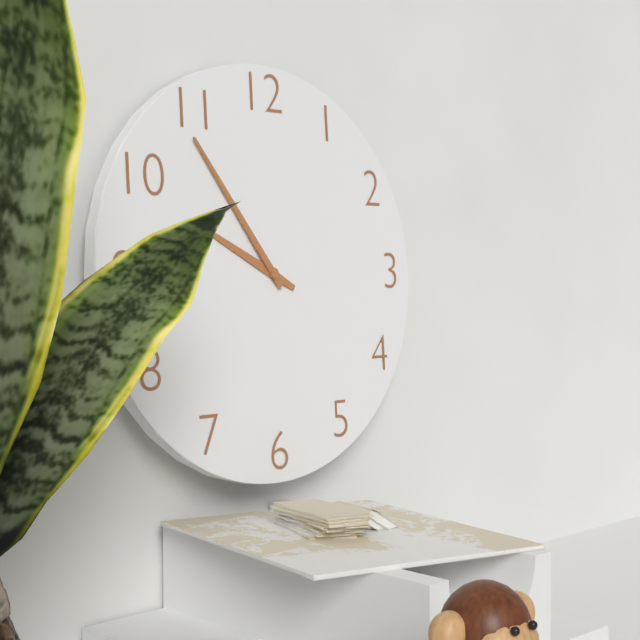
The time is 9:54
